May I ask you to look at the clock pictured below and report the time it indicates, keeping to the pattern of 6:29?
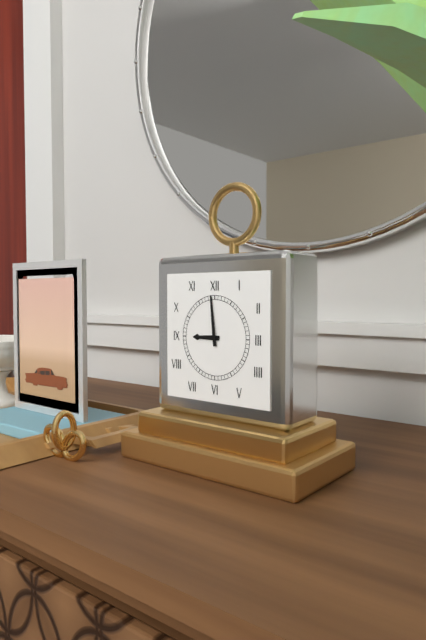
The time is 8:59
